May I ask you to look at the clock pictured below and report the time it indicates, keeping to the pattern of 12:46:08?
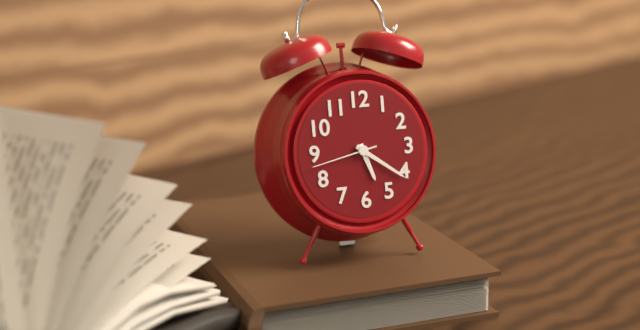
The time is 5:21:43
